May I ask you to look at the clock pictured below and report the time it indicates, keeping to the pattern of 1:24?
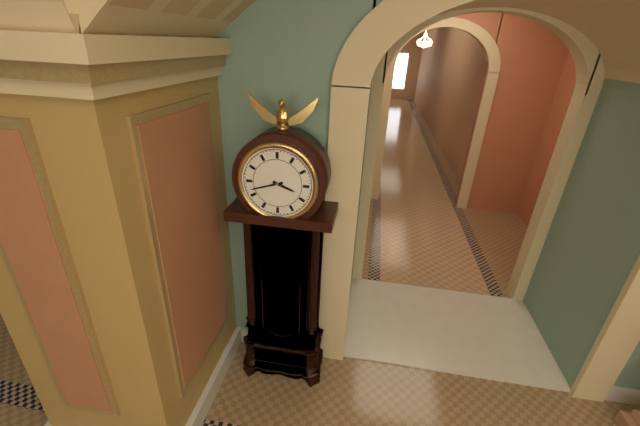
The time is 3:42
